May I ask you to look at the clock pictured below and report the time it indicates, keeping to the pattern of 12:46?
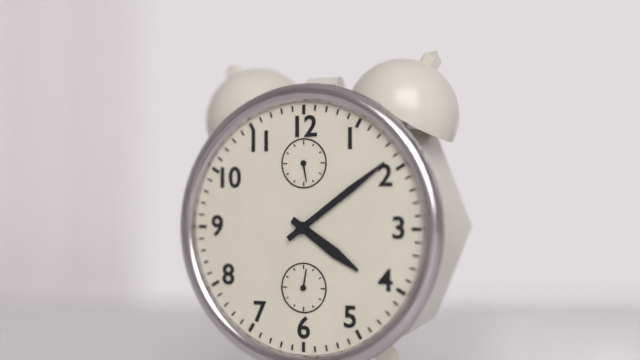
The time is 4:09
